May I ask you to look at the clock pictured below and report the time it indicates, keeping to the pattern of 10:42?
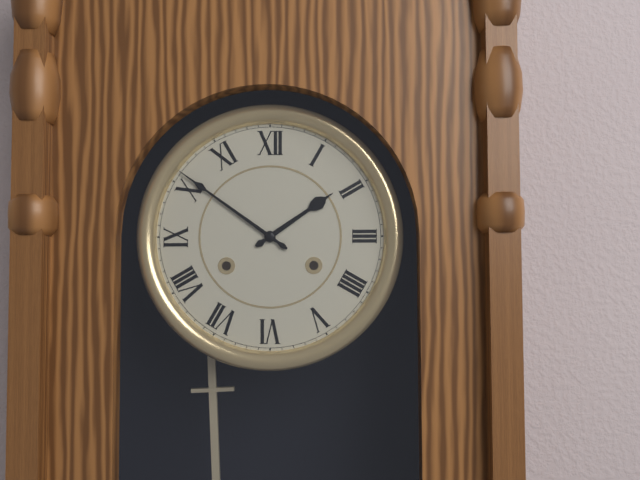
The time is 1:51
